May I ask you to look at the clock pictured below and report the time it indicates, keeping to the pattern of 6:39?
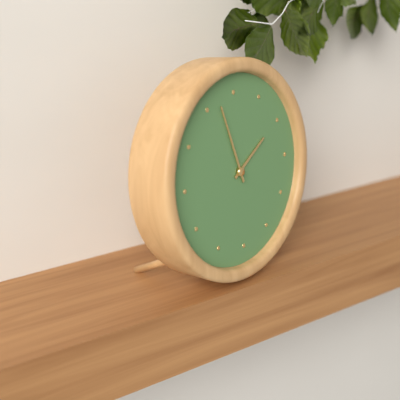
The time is 1:57
